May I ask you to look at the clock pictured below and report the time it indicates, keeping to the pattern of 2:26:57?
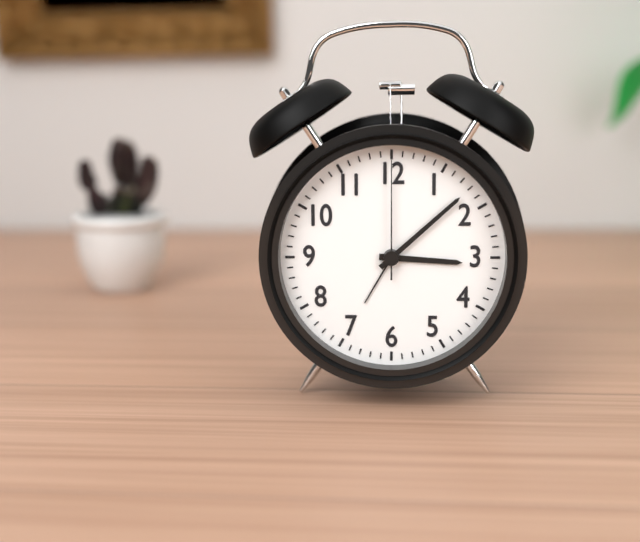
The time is 3:08:00
